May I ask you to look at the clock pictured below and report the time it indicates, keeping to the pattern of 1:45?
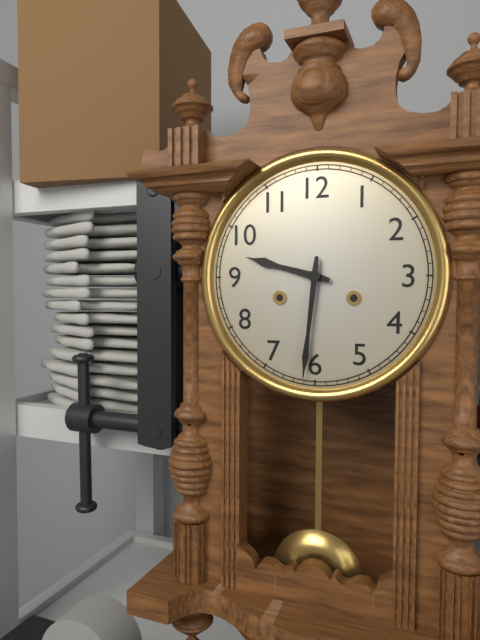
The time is 9:31
